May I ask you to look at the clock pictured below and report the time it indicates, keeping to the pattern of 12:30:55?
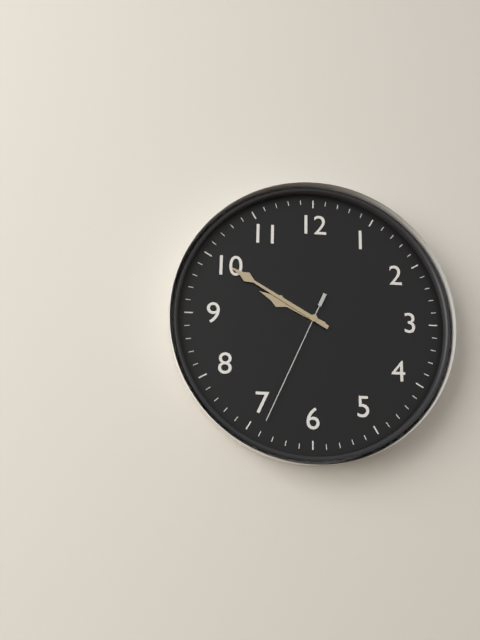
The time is 9:50:34
